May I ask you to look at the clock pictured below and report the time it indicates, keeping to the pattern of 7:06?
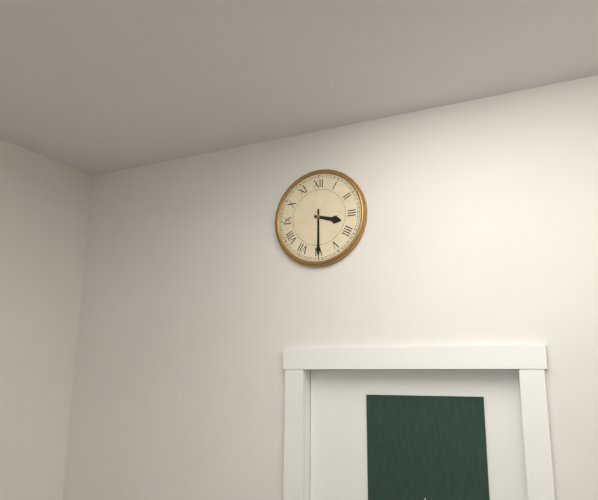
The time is 3:30
